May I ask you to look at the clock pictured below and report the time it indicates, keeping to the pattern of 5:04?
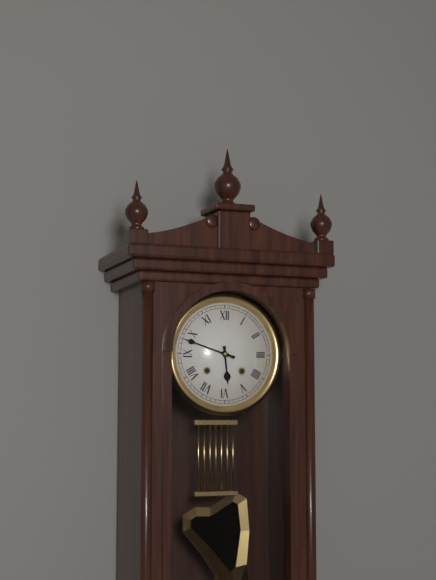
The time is 5:48
